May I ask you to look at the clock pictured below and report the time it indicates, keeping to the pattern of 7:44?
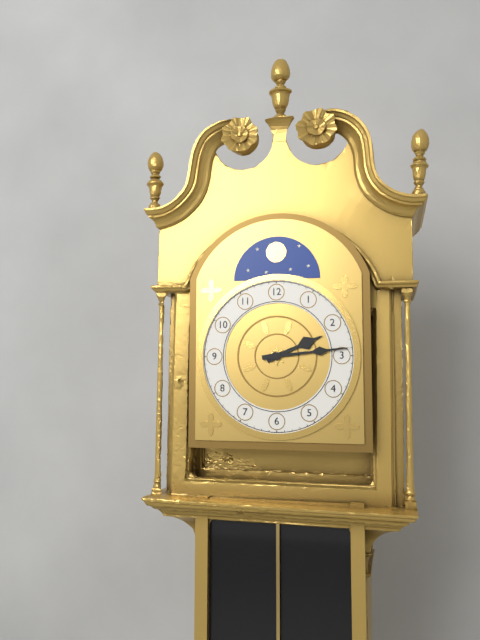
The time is 2:14
